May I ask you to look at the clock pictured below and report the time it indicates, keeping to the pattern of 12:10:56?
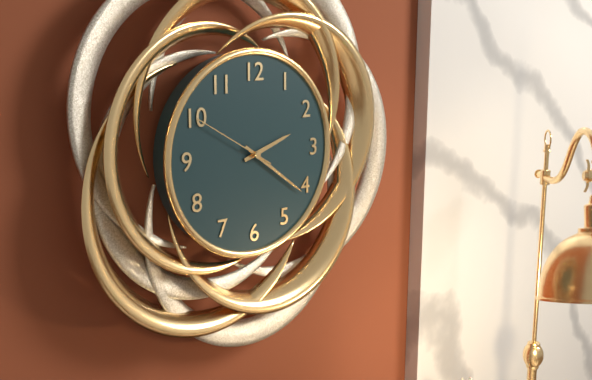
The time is 2:21:50
